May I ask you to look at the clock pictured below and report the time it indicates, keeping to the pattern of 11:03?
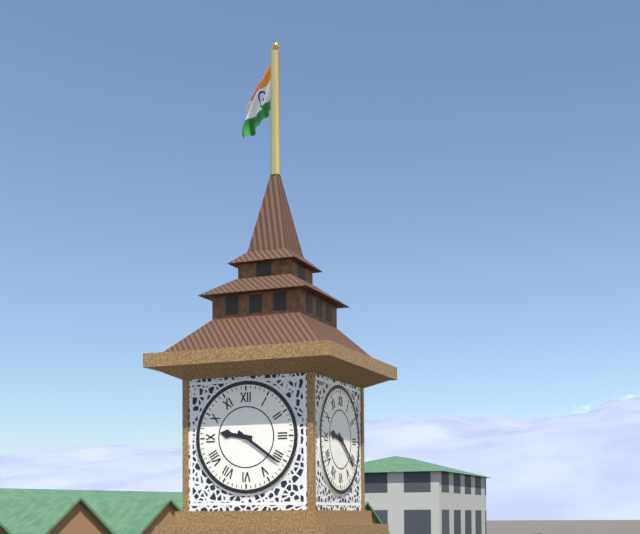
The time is 9:21
